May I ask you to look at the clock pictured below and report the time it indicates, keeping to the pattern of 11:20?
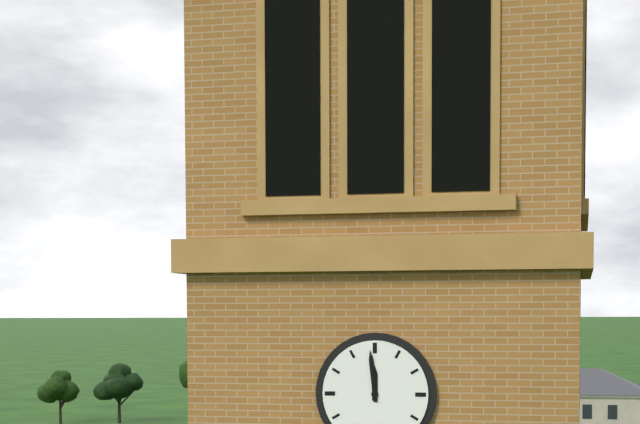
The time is 11:59
